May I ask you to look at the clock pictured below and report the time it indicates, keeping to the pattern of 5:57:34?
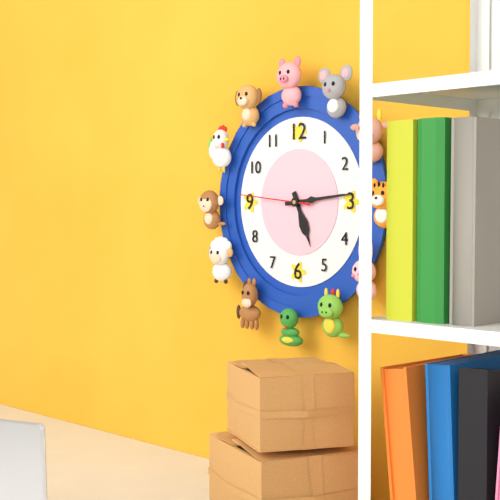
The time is 5:14:46
